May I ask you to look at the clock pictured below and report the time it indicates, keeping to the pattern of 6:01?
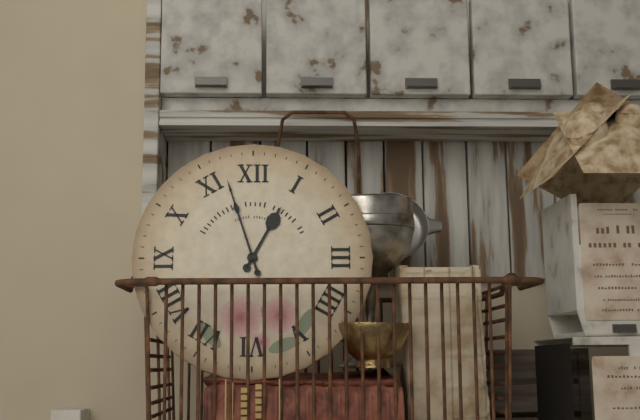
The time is 12:57
